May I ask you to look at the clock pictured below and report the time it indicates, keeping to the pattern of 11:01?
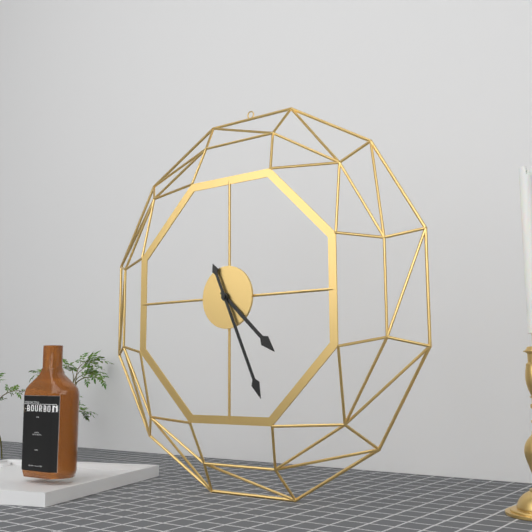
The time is 4:26
